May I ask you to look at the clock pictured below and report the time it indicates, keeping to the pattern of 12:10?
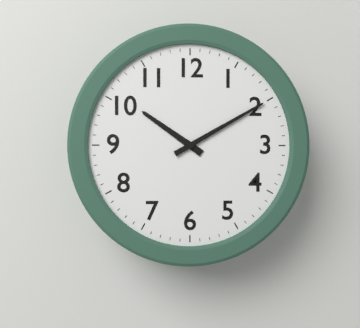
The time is 10:10
